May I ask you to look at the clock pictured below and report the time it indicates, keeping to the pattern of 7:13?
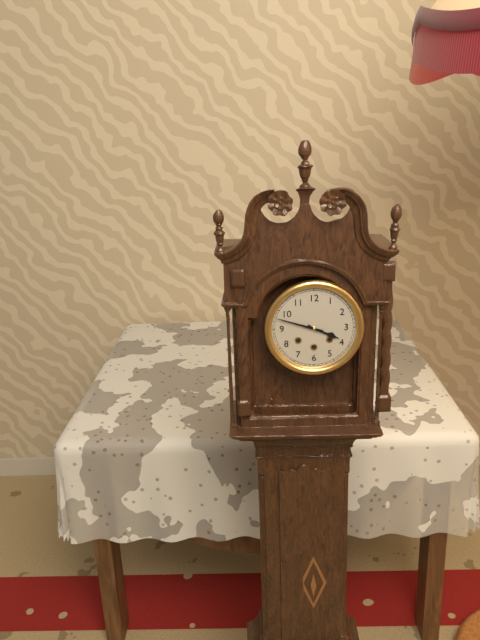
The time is 3:48
